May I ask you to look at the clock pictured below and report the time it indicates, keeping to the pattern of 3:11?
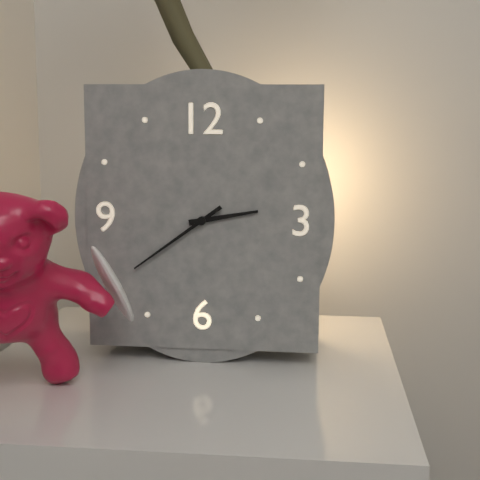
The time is 2:39
